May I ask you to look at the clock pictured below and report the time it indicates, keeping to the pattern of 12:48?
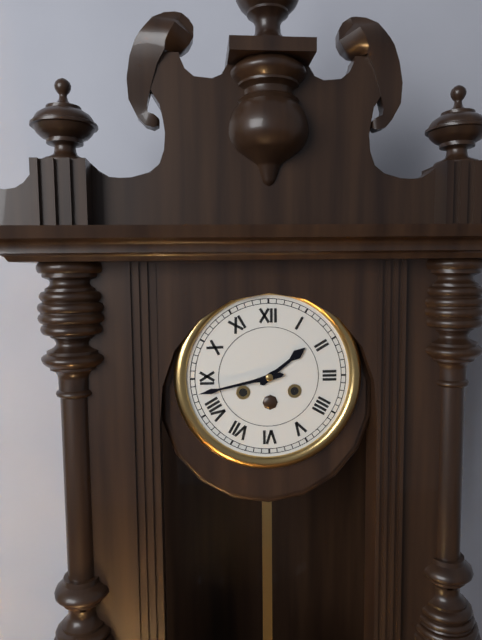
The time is 1:43
